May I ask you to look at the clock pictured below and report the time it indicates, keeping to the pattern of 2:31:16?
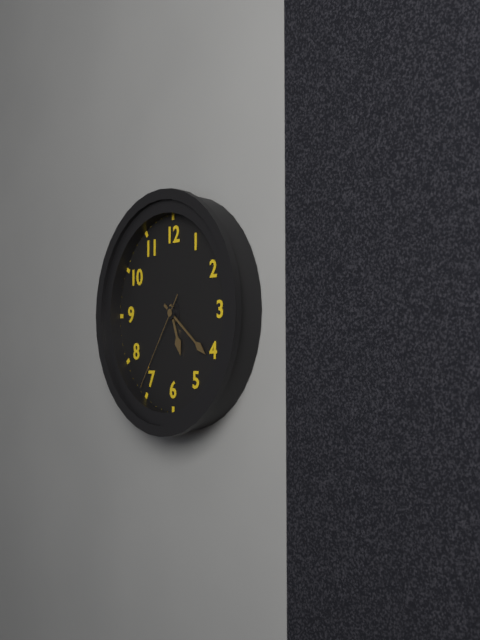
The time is 5:21:36
